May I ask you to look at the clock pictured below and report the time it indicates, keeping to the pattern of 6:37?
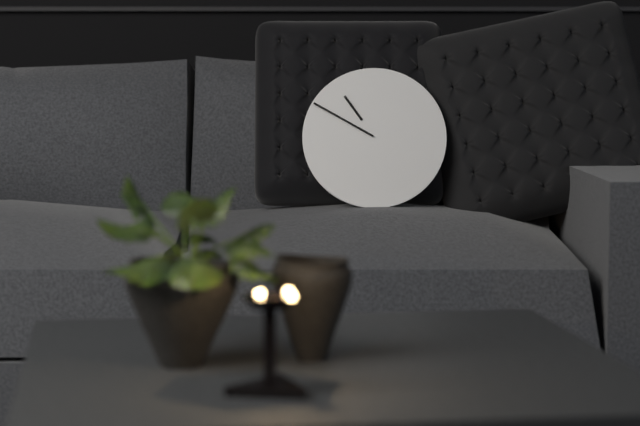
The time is 10:50
